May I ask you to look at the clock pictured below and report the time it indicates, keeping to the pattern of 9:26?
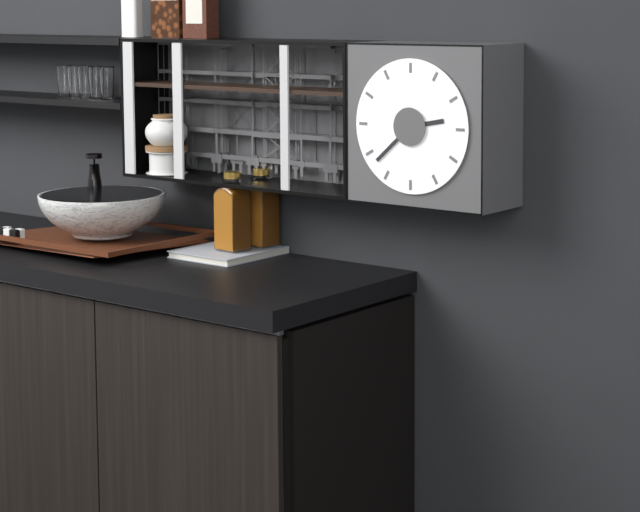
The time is 2:38
